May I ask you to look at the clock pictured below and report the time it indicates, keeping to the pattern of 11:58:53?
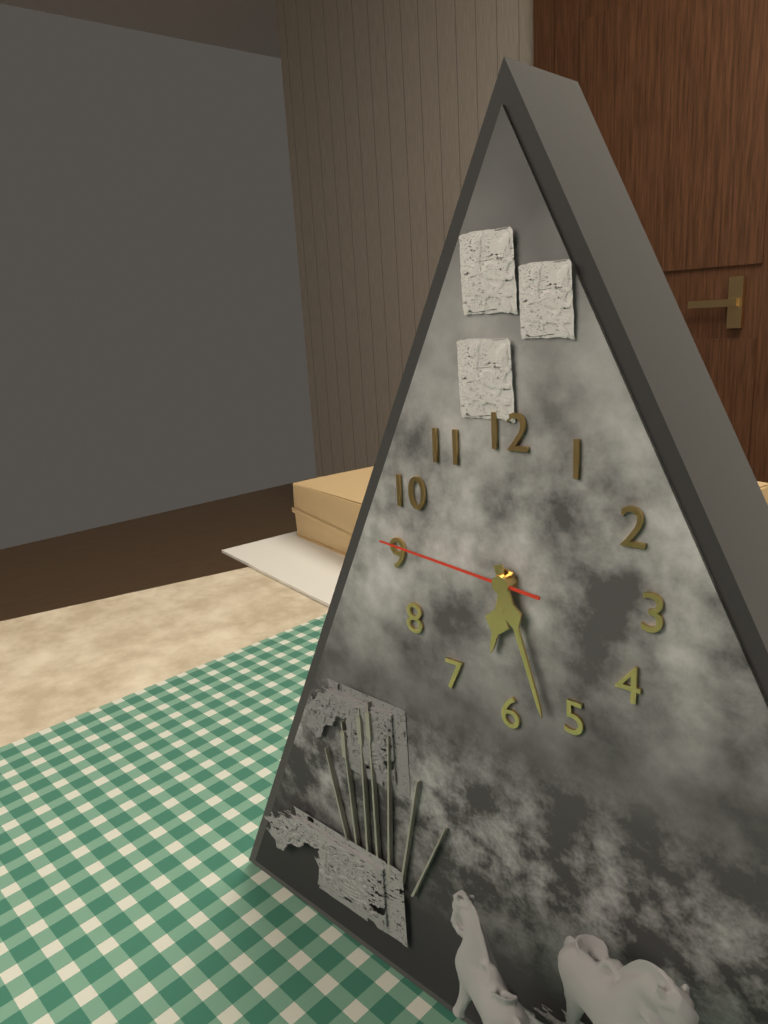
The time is 6:27:46
